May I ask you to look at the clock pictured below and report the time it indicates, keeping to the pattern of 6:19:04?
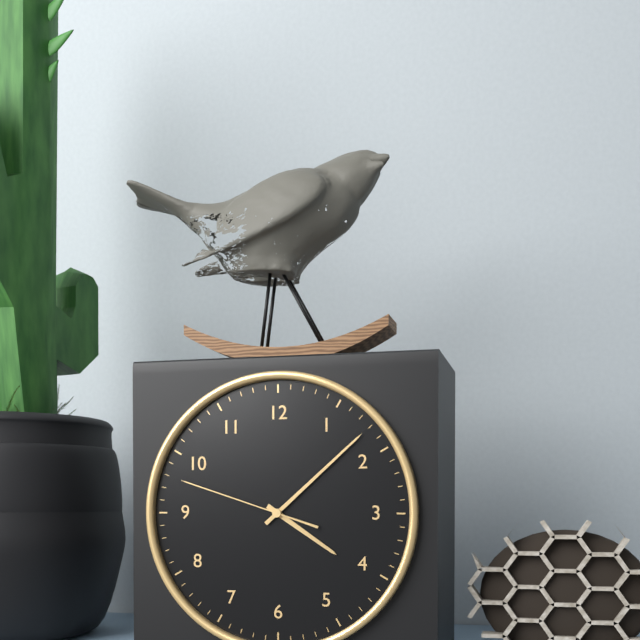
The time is 4:08:48
